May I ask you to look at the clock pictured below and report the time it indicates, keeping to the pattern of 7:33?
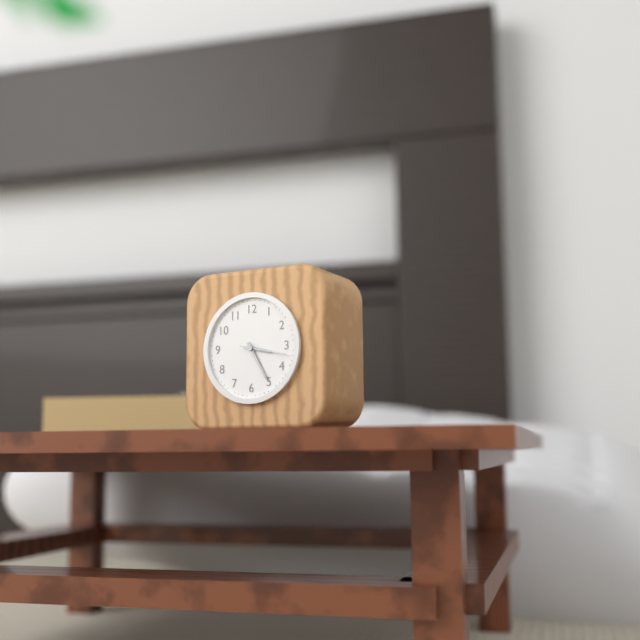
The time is 3:25
